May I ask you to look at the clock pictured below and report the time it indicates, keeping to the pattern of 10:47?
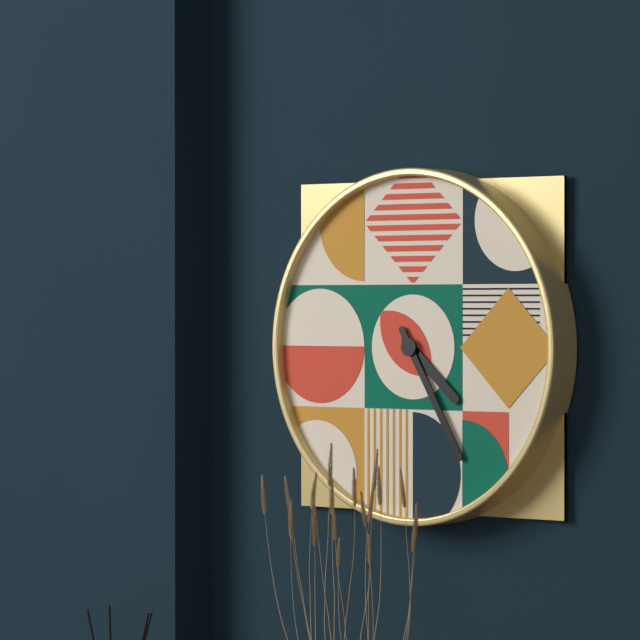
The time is 4:25
